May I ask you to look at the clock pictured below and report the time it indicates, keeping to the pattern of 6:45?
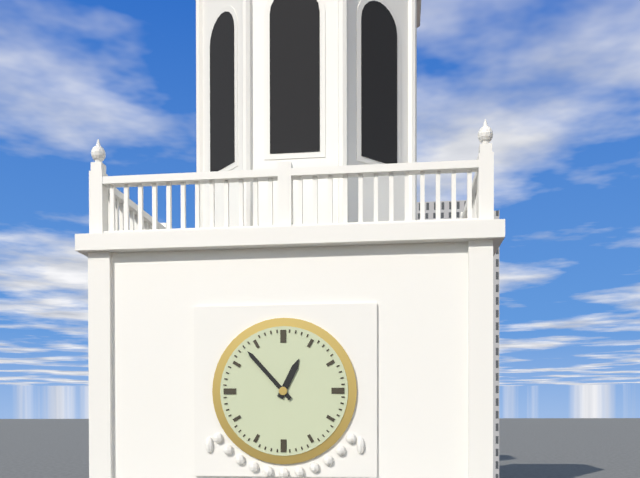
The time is 12:53
